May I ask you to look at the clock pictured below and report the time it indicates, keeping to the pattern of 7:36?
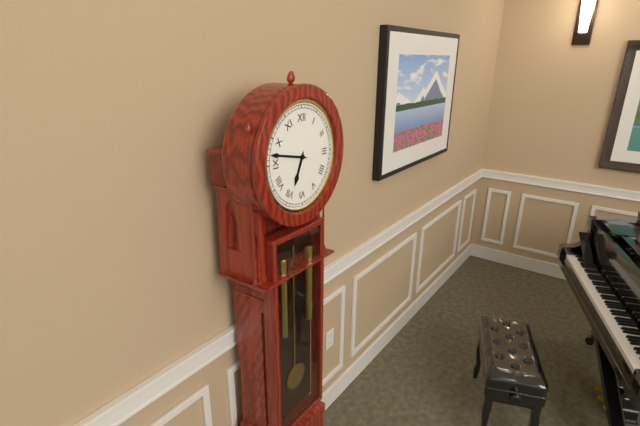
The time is 6:47
